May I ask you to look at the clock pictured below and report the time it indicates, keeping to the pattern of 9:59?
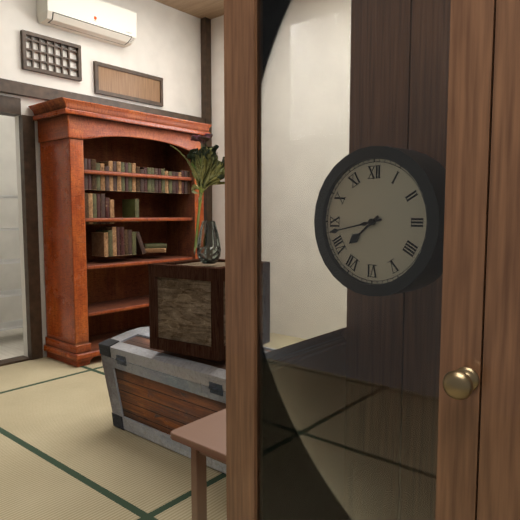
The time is 7:43
